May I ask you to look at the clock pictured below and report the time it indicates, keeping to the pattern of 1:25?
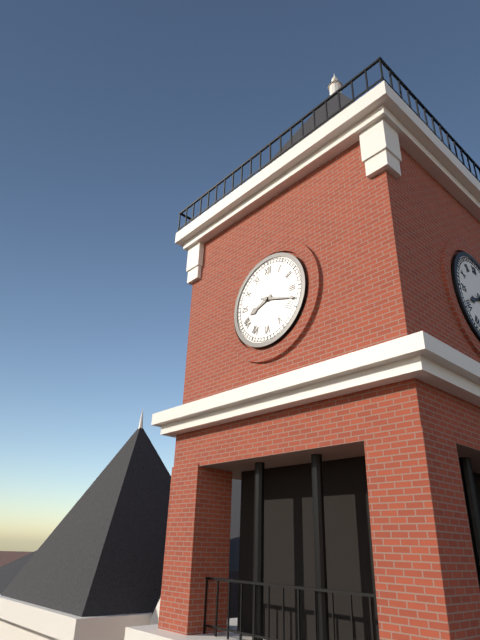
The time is 8:18
